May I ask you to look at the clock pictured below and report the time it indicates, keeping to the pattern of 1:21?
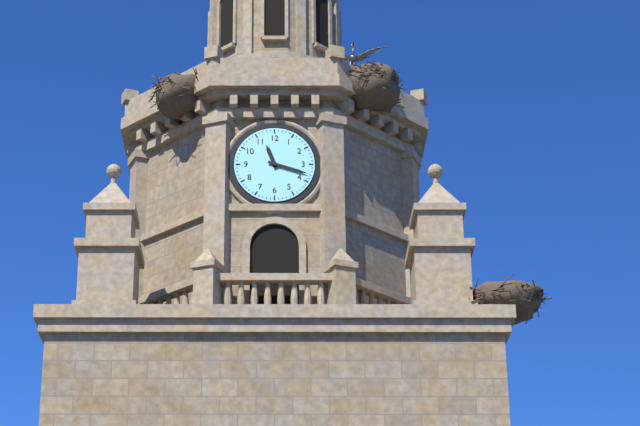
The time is 11:18
